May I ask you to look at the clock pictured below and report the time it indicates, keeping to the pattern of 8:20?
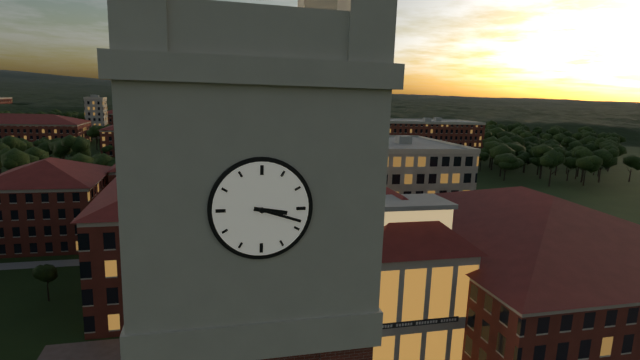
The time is 3:18
